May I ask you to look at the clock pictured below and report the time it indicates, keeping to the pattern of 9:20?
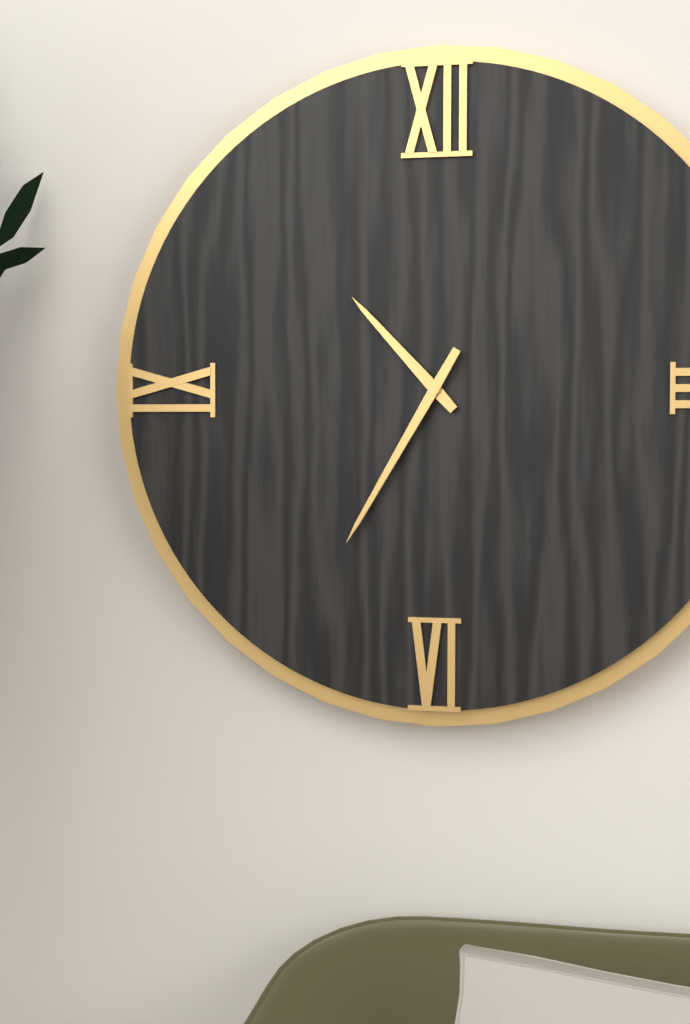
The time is 10:35
